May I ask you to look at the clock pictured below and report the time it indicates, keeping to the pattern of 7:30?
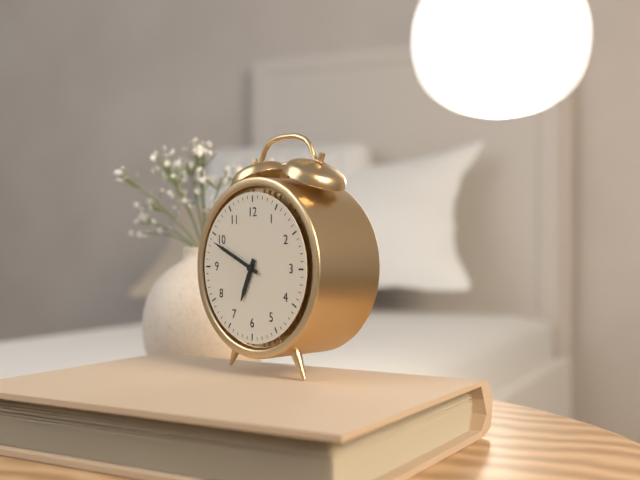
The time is 6:49
